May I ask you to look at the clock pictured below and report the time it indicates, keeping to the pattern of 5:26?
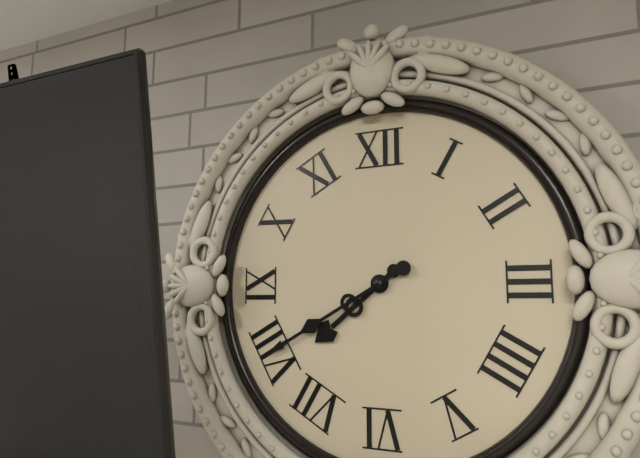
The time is 7:40
